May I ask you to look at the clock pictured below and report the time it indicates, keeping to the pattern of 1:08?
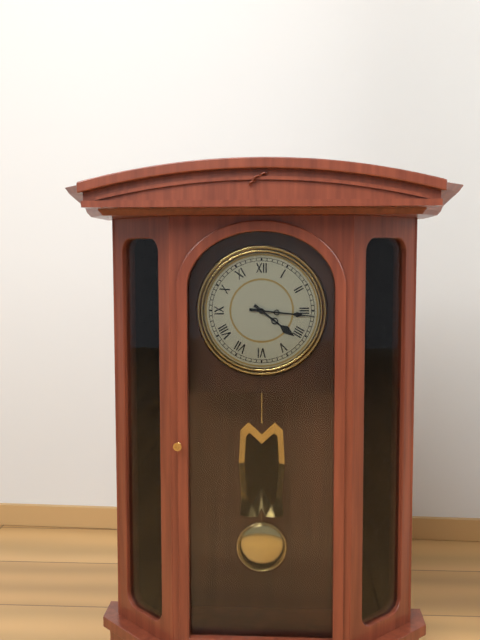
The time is 4:16
